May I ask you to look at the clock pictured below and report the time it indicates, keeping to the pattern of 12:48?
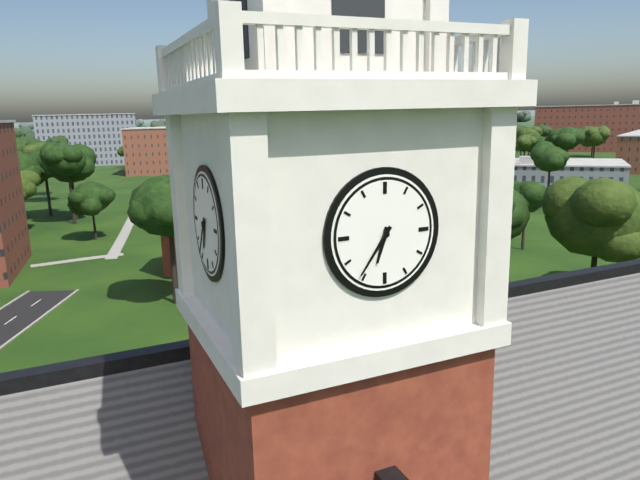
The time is 6:36
